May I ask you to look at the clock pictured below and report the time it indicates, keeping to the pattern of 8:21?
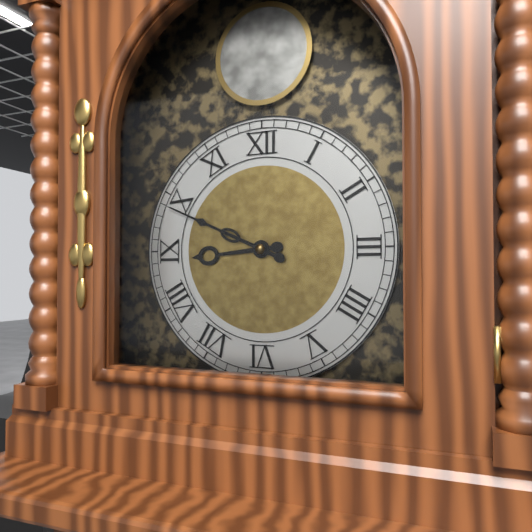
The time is 8:49
